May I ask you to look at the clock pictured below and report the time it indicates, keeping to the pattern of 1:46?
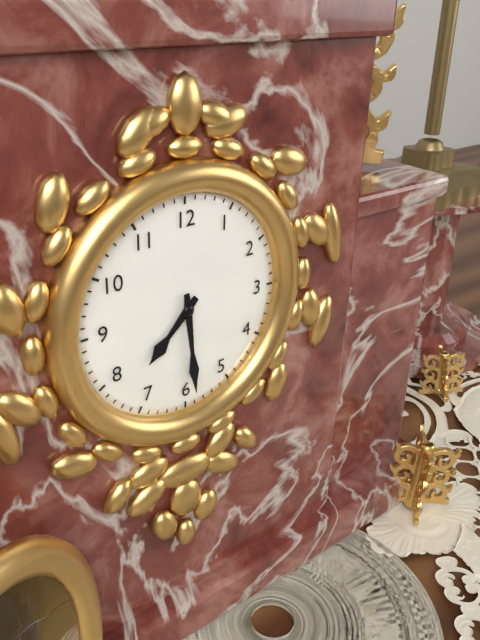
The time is 7:29
